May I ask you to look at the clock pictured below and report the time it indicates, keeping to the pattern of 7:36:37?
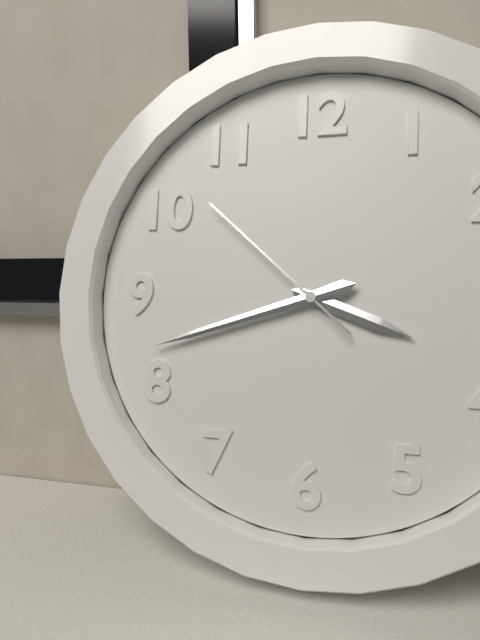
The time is 3:42:52
